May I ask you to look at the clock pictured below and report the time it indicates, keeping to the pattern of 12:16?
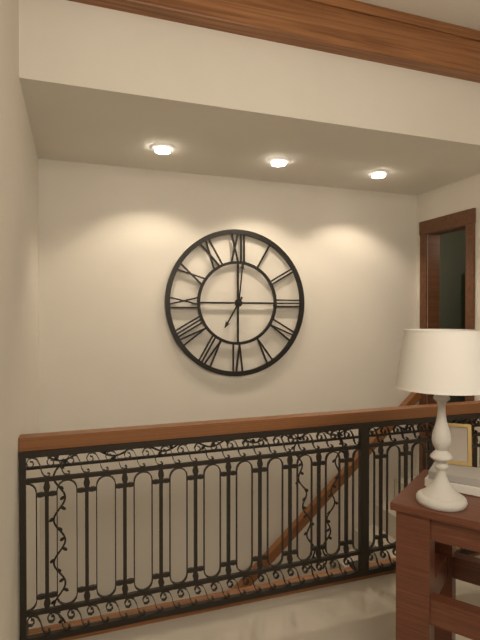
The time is 7:01
